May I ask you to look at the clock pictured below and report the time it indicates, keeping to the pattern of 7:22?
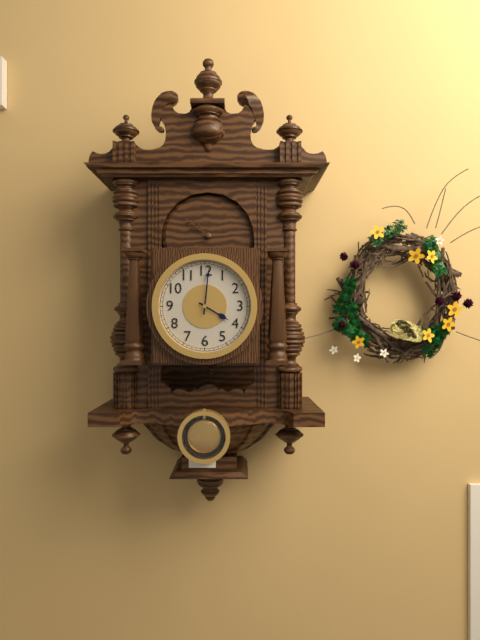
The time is 4:01
